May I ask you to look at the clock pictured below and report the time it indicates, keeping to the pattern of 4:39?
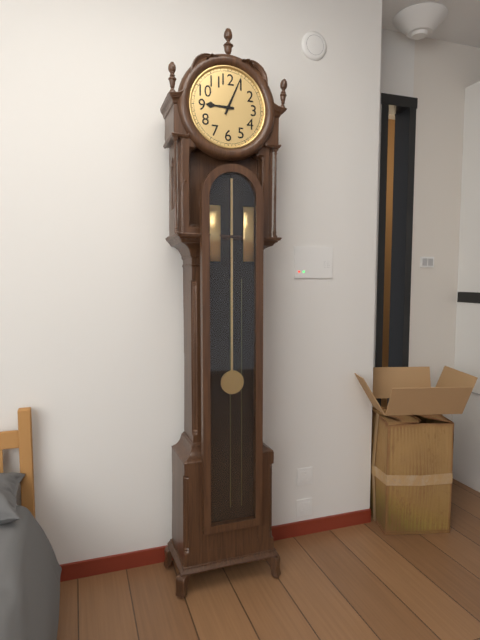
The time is 9:04
